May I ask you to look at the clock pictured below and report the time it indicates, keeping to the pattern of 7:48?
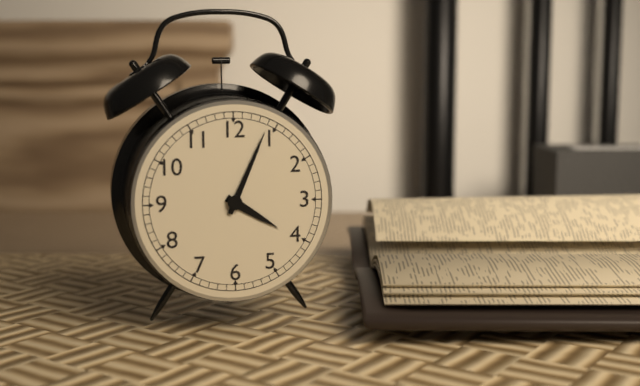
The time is 4:04
